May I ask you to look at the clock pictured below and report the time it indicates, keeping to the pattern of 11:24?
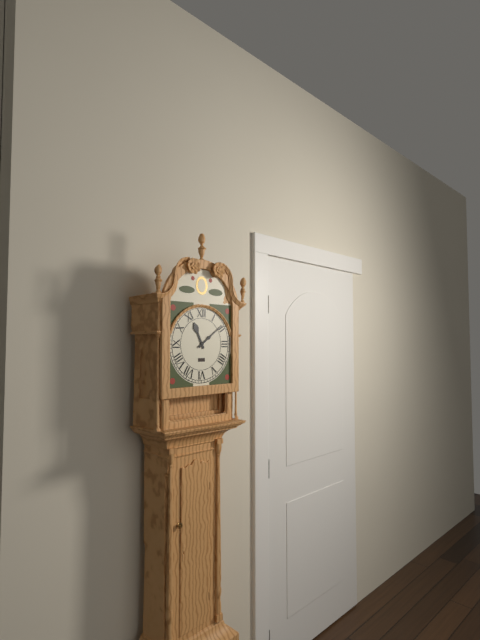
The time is 11:09
